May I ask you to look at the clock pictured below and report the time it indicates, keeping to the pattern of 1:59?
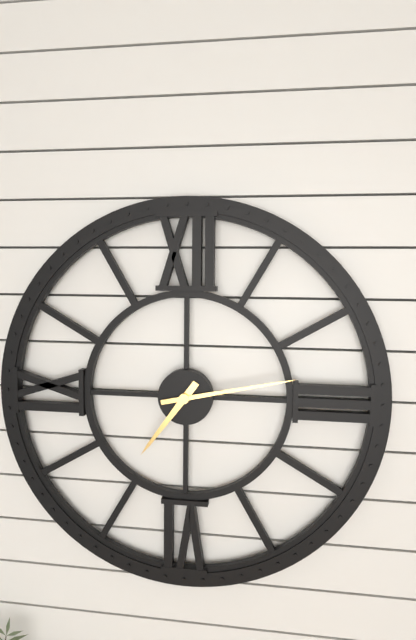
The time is 7:13
